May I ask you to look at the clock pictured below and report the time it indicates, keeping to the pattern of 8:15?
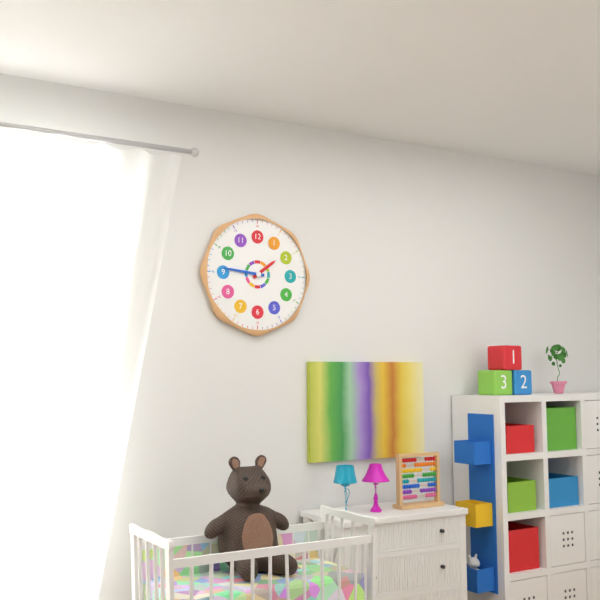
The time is 1:46
